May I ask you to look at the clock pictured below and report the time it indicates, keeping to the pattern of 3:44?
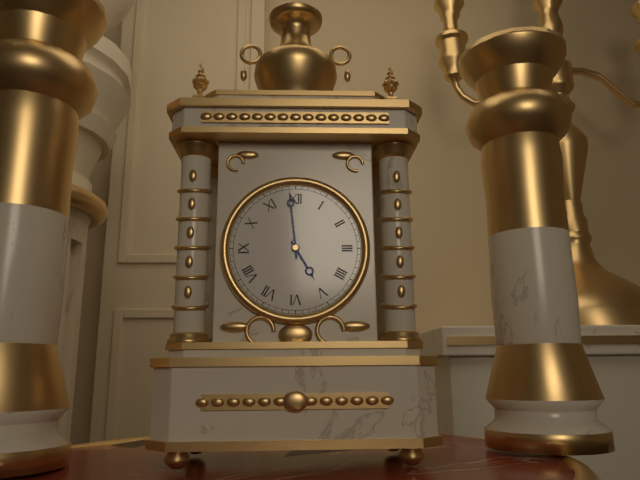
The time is 4:59
